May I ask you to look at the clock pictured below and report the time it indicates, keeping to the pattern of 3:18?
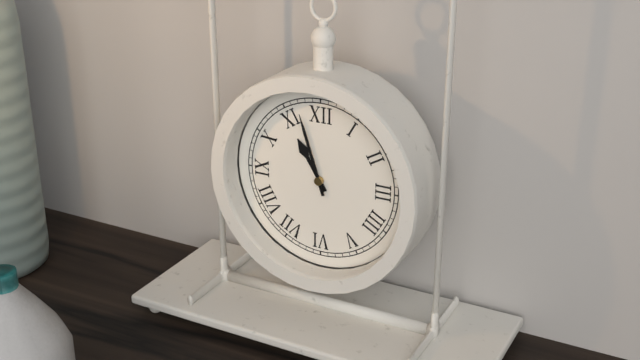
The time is 10:57
